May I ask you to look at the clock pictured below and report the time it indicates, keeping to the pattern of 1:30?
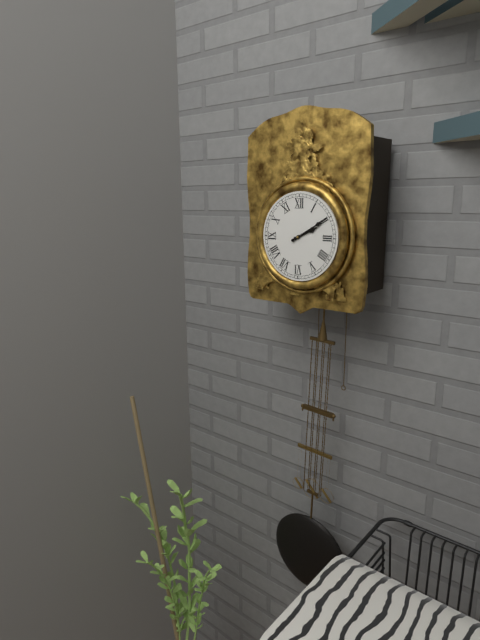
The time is 2:10
